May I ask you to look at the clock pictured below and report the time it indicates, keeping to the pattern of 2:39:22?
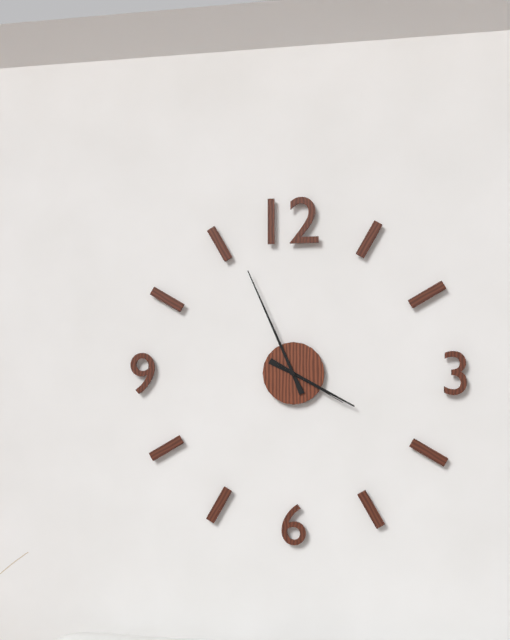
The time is 3:56:20
